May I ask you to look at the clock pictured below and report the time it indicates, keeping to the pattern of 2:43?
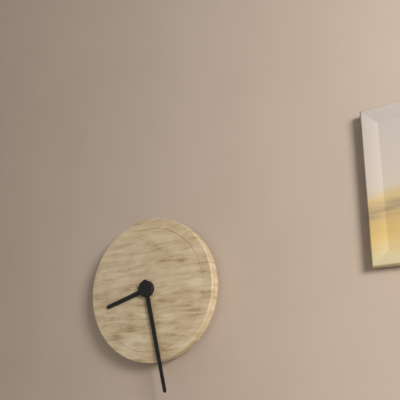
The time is 8:28
